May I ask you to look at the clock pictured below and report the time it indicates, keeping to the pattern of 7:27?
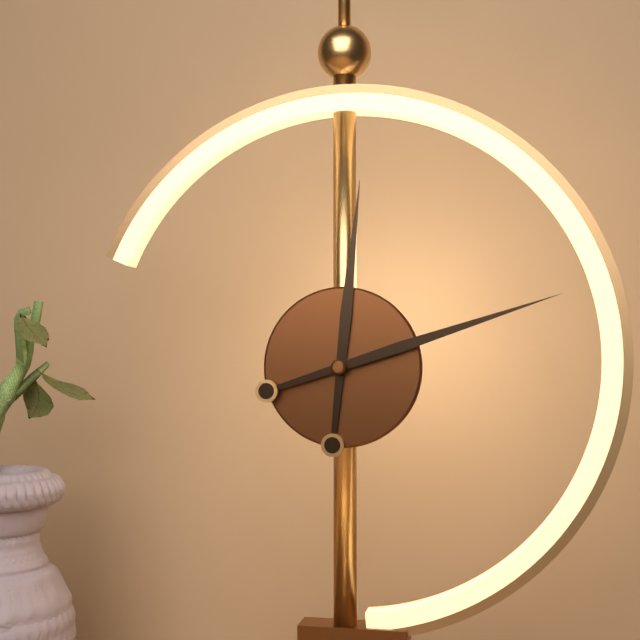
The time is 12:12
